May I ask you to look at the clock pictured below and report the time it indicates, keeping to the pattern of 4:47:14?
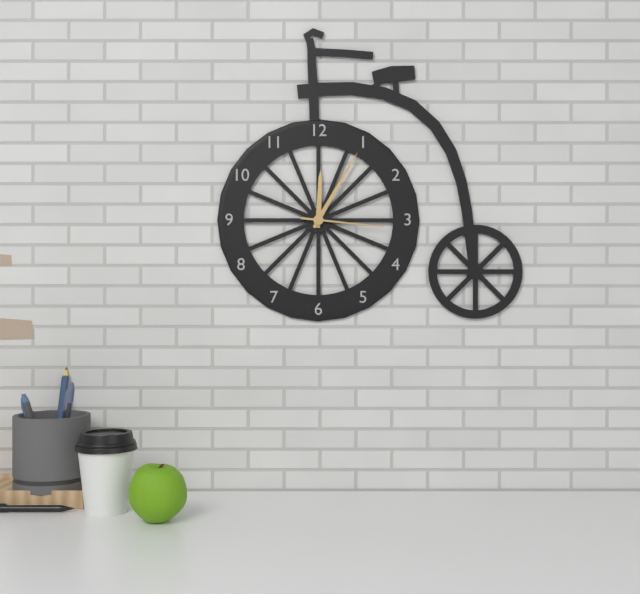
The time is 12:05:16
